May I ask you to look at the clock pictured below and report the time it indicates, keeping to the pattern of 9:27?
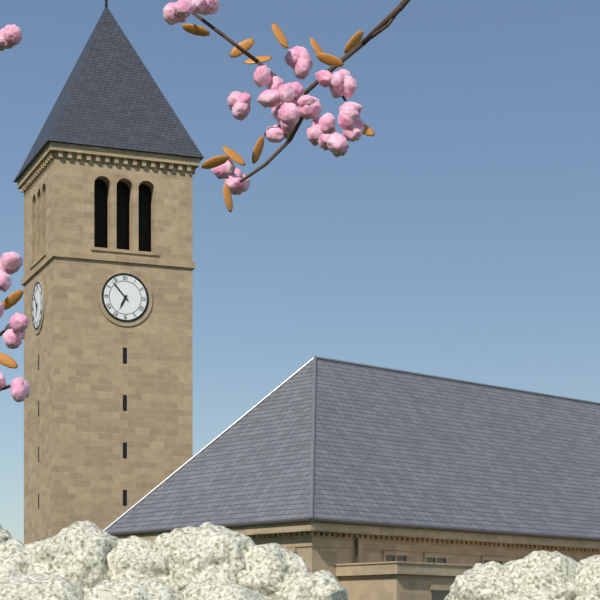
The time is 6:53
